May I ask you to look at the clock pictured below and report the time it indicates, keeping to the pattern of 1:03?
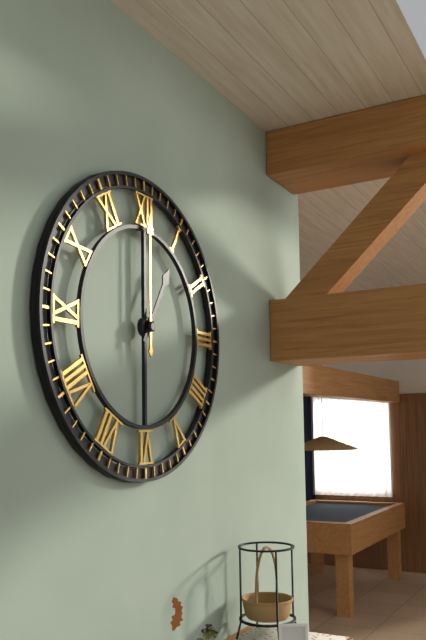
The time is 1:00
